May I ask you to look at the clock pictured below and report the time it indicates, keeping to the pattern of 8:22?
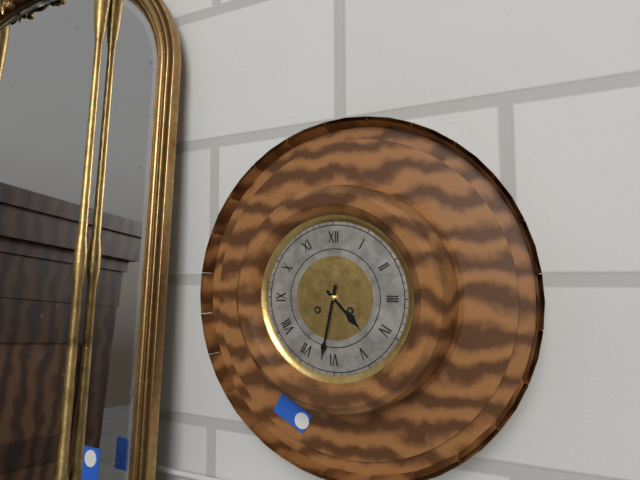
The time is 4:32
